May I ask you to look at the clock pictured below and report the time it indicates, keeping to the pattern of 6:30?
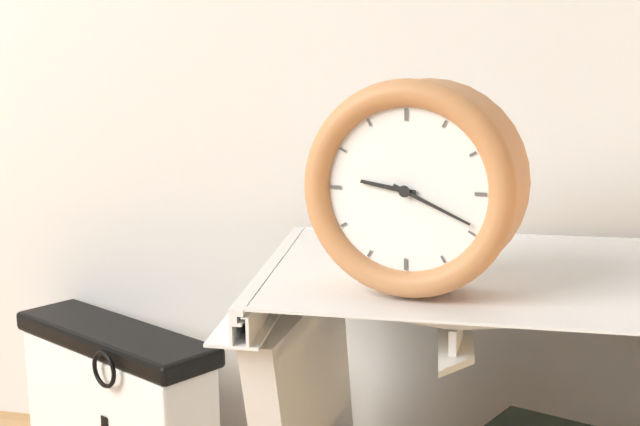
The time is 9:19
